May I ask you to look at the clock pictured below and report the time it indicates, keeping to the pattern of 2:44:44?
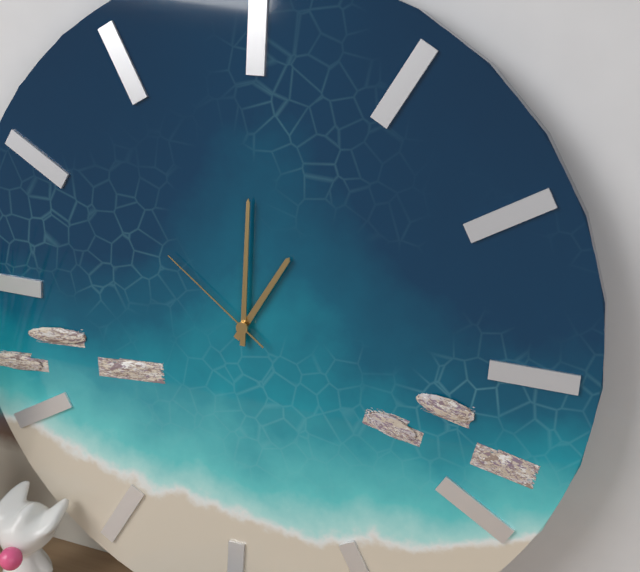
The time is 1:00:51
